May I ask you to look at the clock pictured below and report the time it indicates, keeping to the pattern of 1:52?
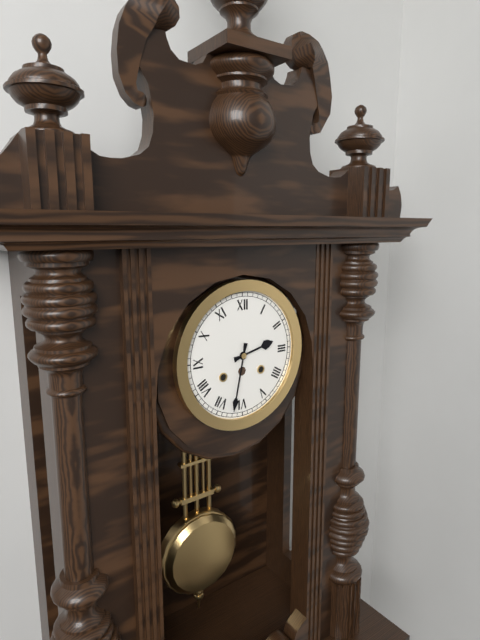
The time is 2:32
